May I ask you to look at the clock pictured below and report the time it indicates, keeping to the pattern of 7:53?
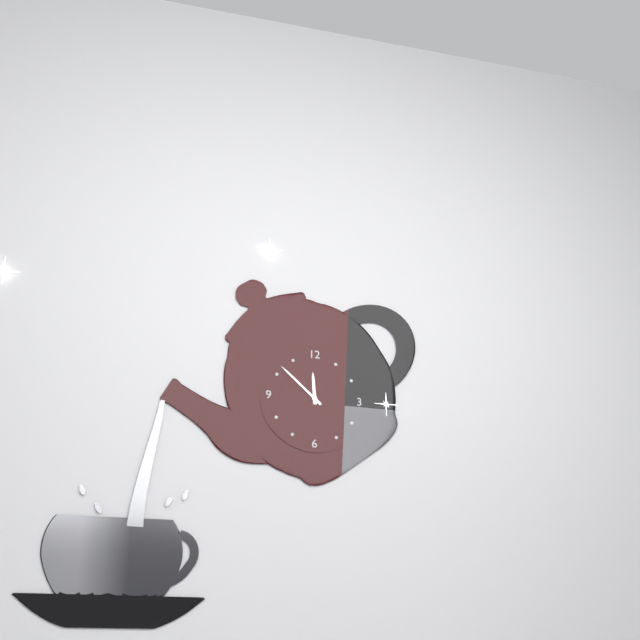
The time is 11:52
